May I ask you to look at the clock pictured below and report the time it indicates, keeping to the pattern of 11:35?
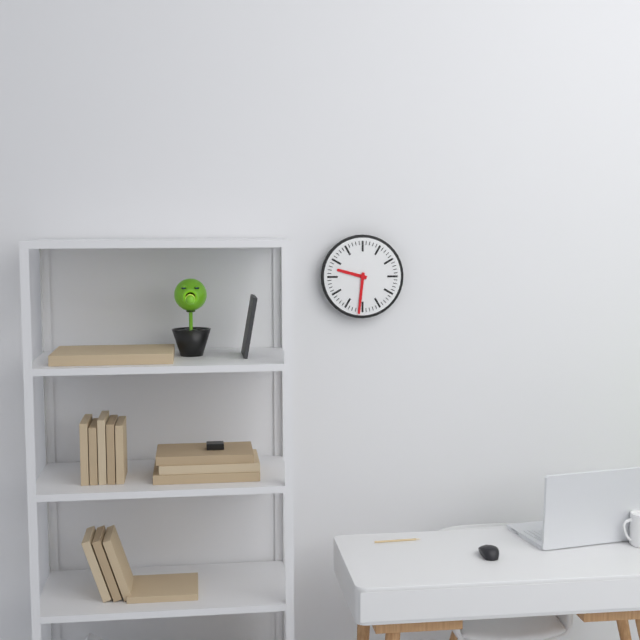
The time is 9:31
